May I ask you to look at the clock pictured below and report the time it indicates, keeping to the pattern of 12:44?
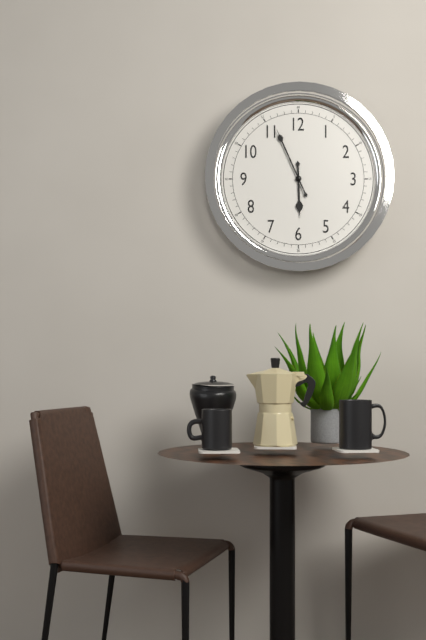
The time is 5:56
